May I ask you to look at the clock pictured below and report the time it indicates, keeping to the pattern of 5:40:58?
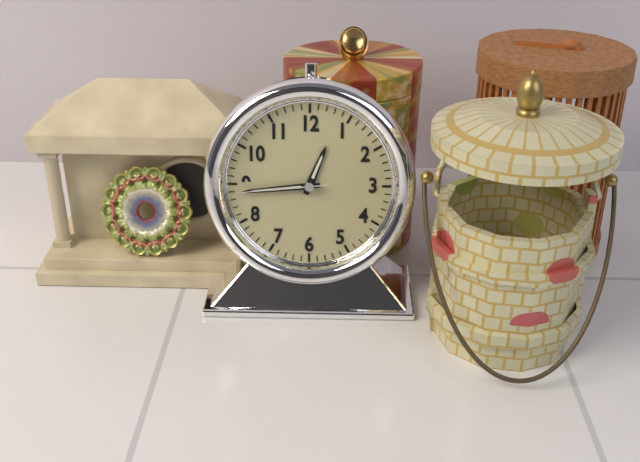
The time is 12:44:44
